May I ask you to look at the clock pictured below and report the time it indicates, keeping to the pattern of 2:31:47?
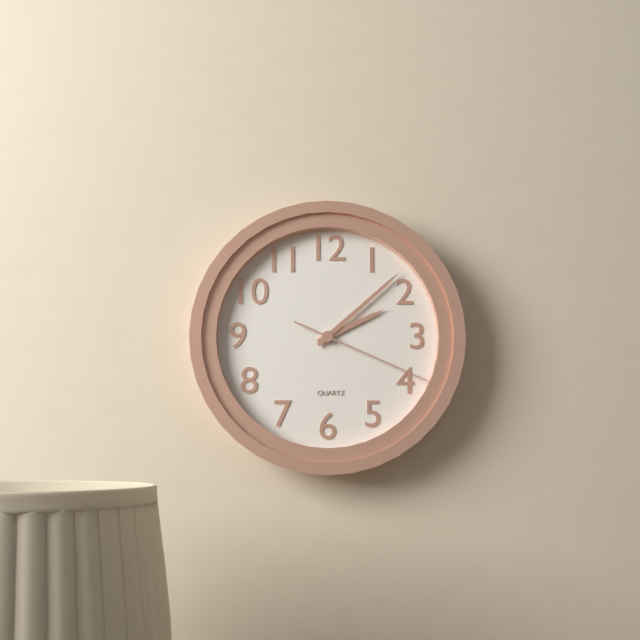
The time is 2:08:19
